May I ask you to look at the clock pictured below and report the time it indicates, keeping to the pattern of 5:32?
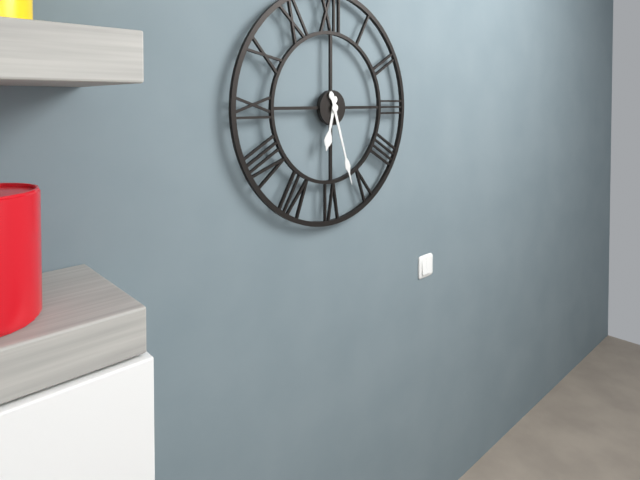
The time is 6:27
